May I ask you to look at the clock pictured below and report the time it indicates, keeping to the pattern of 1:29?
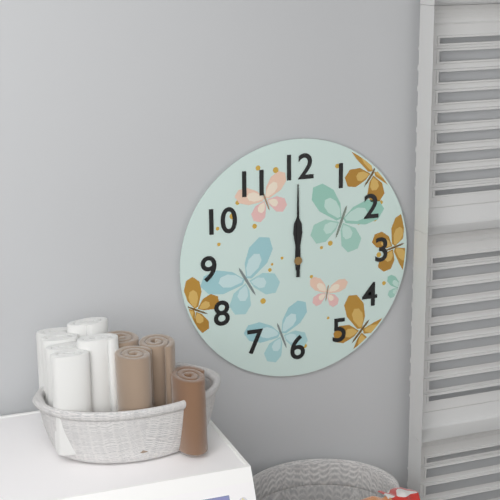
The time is 12:00
